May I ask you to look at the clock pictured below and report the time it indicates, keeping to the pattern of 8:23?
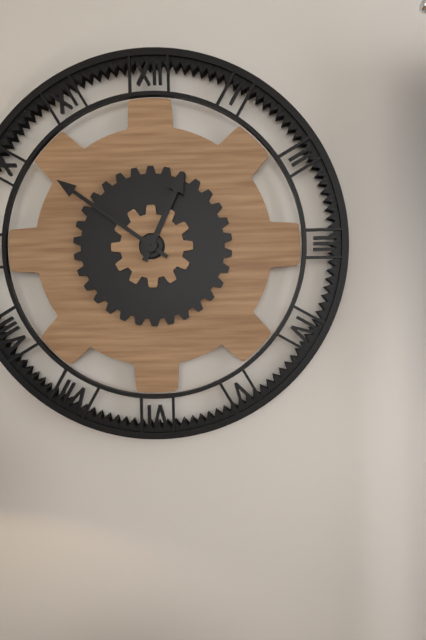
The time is 12:51
